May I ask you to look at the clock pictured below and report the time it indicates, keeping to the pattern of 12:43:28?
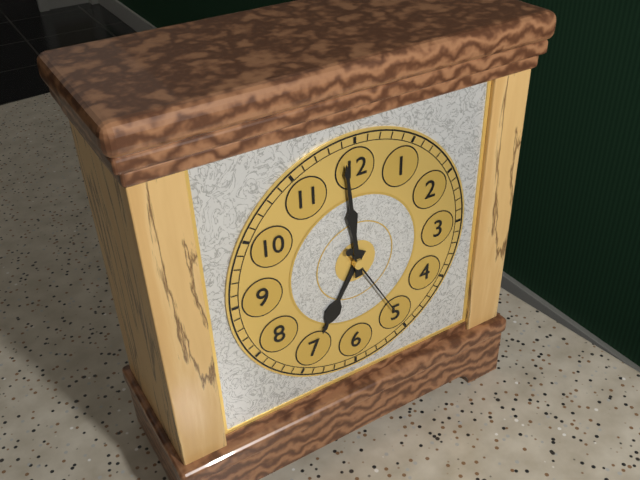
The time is 6:59:25
